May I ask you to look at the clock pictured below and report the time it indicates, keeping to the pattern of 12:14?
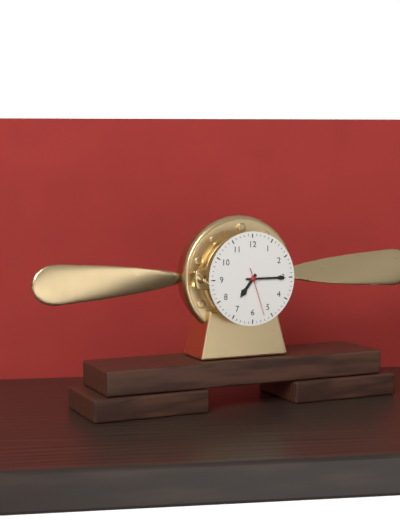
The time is 7:15
